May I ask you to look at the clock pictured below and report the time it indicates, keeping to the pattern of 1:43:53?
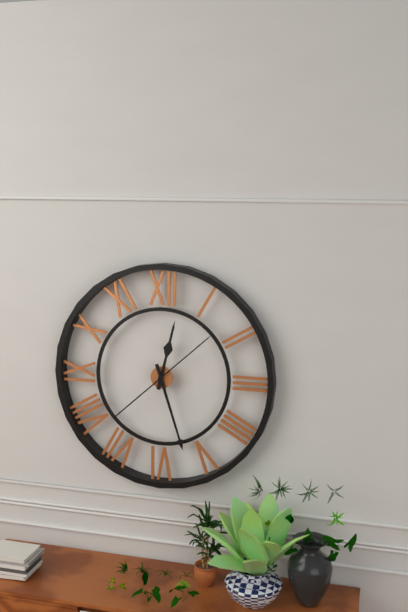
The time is 12:27:08
